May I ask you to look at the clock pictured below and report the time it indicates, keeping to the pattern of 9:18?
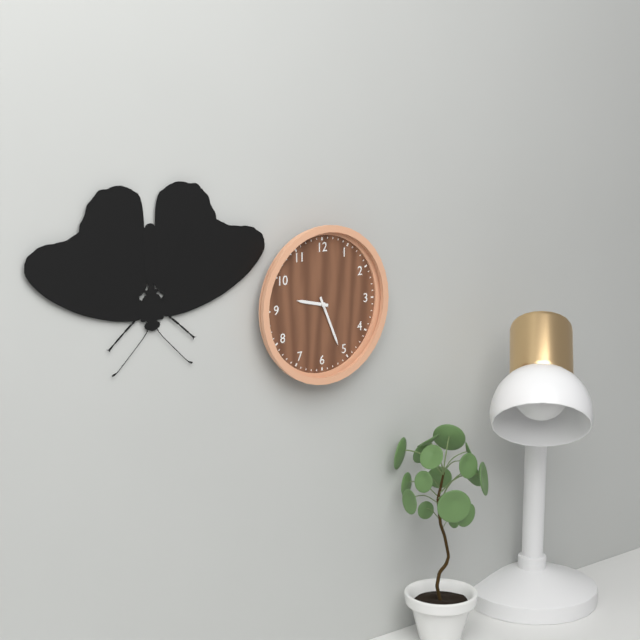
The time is 9:26
